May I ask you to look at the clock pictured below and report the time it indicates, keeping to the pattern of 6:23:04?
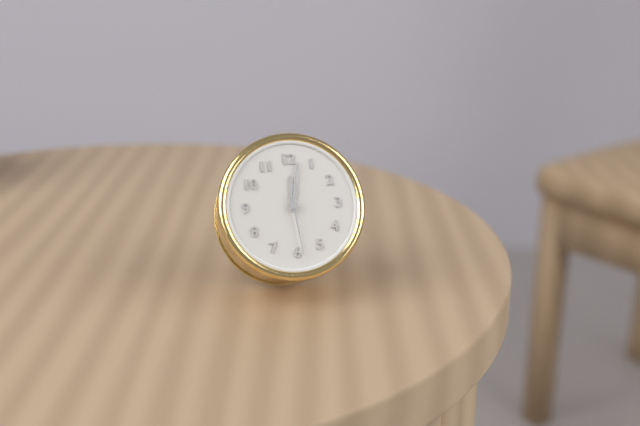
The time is 12:02:29
